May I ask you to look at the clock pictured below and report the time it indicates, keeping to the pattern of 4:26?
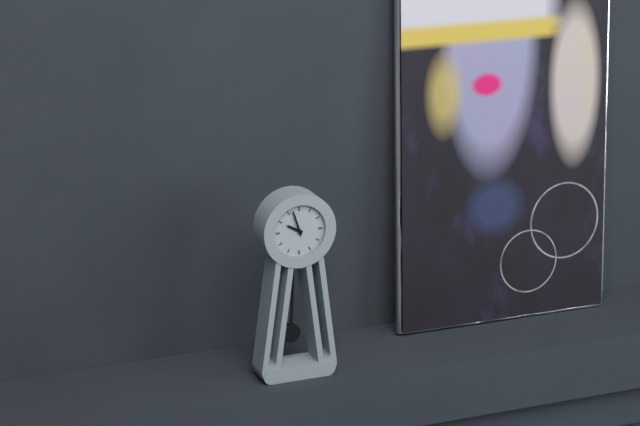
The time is 9:57
